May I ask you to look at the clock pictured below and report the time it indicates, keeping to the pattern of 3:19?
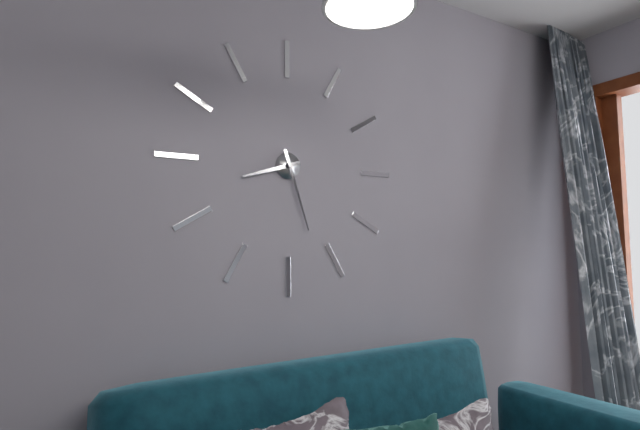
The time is 8:27
